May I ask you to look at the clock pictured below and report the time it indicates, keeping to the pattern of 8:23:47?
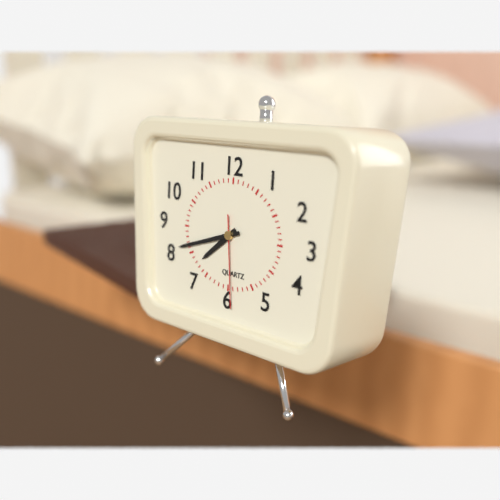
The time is 7:42:29
